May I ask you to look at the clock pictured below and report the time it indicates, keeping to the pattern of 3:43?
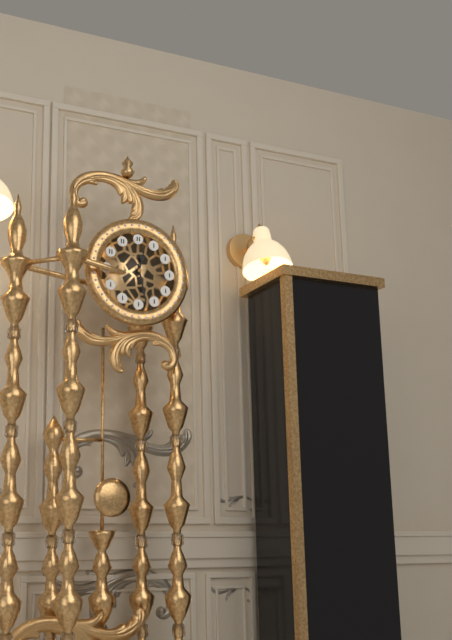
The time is 12:28
